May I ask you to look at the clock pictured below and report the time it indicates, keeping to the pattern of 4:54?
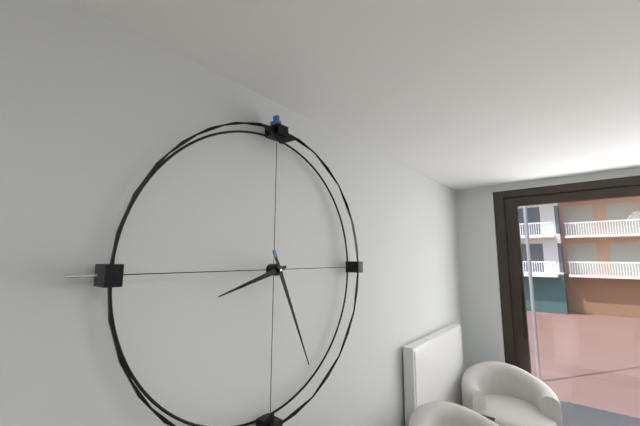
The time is 8:26
